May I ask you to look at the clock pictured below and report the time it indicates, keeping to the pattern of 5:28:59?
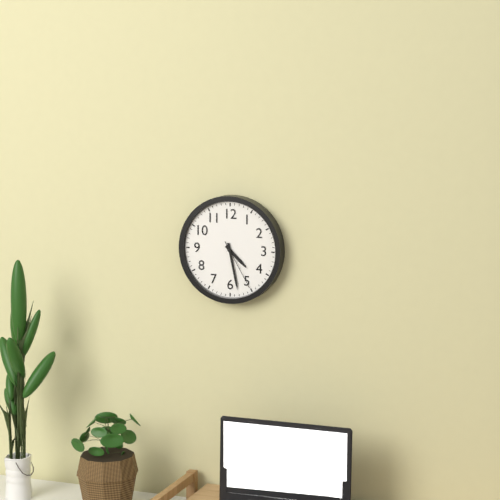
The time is 4:28:25
